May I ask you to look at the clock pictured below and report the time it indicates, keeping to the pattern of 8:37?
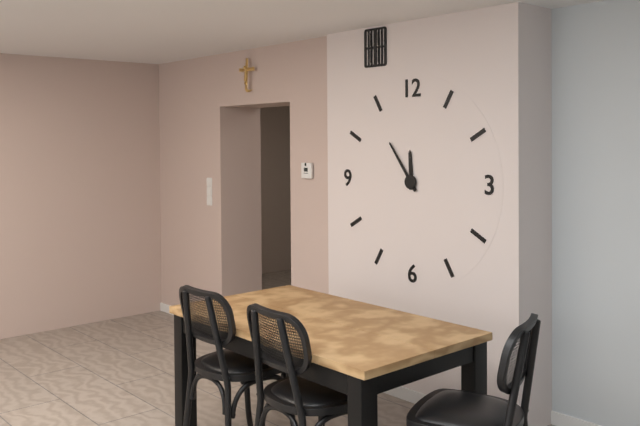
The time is 11:54
